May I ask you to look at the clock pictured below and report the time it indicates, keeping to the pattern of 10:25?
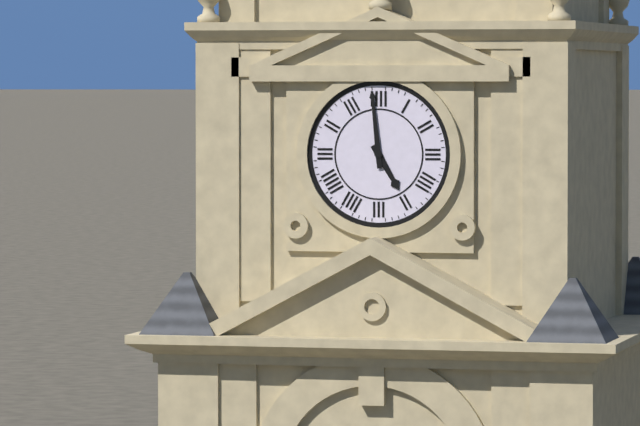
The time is 4:59
